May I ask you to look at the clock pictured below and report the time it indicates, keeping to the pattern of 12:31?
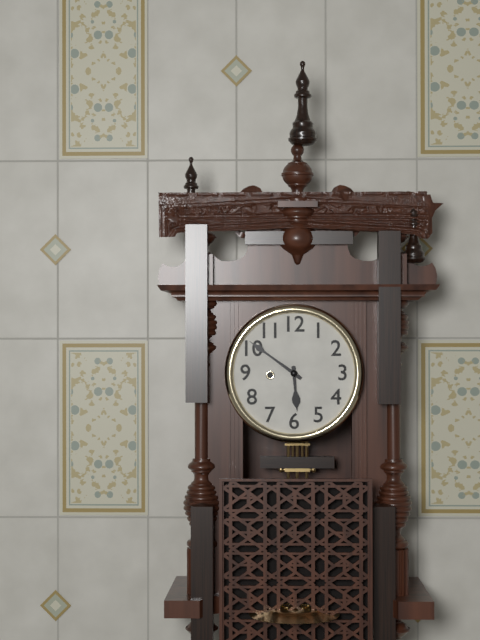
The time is 5:51
